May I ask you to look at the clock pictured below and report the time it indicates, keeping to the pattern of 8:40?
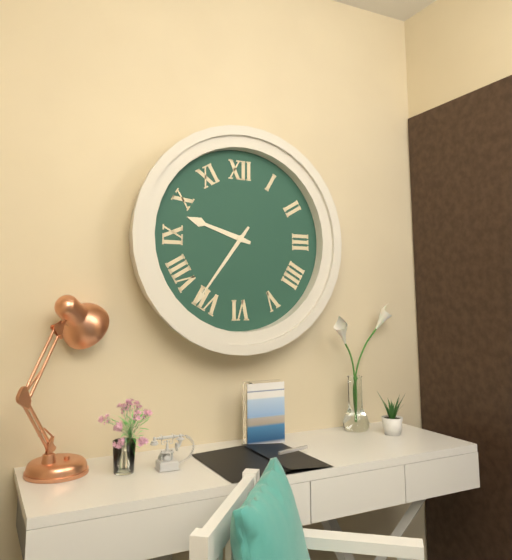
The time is 9:36
